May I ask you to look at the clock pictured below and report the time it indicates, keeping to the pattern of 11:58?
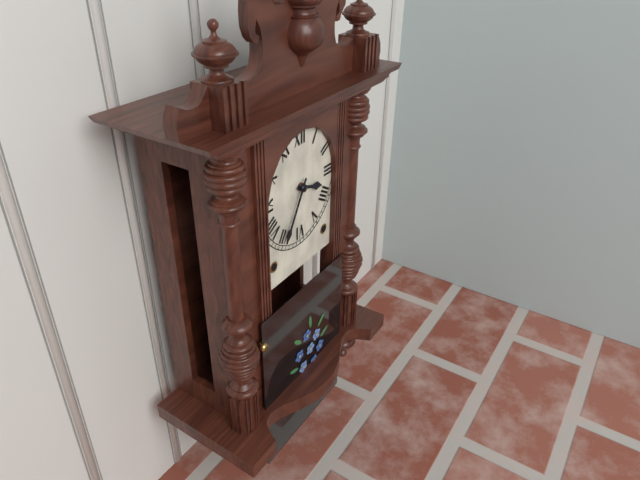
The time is 3:35
